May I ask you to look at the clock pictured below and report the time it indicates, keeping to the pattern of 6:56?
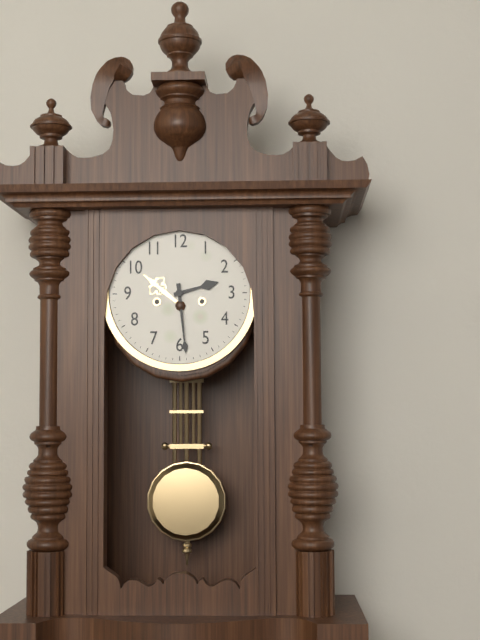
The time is 2:29
